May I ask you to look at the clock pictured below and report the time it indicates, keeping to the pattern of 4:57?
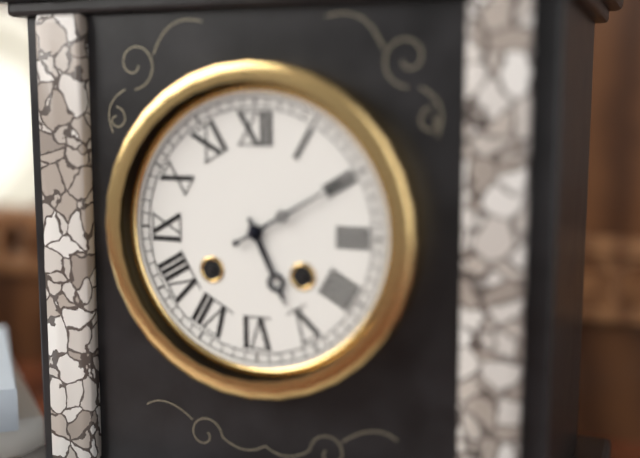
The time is 5:10
